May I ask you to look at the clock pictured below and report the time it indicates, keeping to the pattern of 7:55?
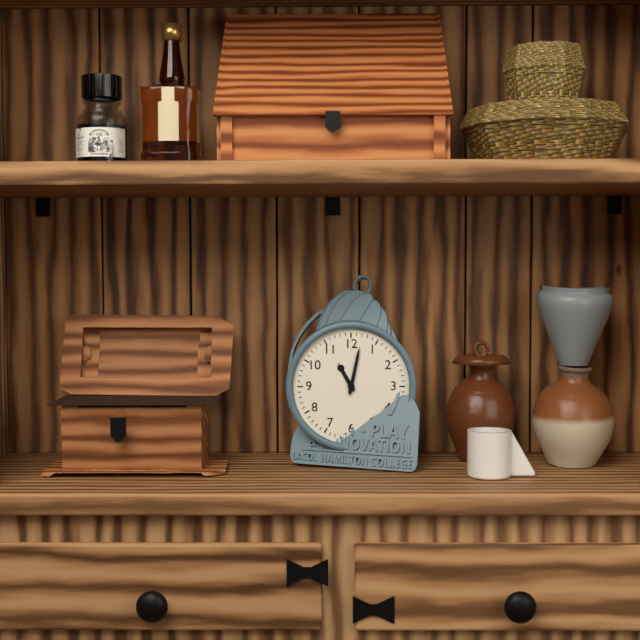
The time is 11:02
